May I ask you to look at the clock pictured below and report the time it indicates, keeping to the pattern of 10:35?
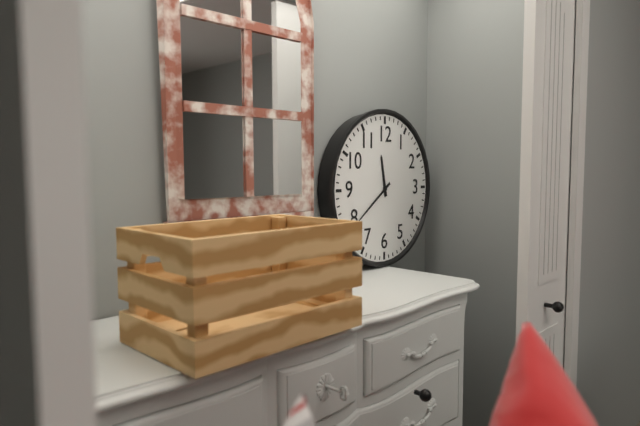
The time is 11:39
